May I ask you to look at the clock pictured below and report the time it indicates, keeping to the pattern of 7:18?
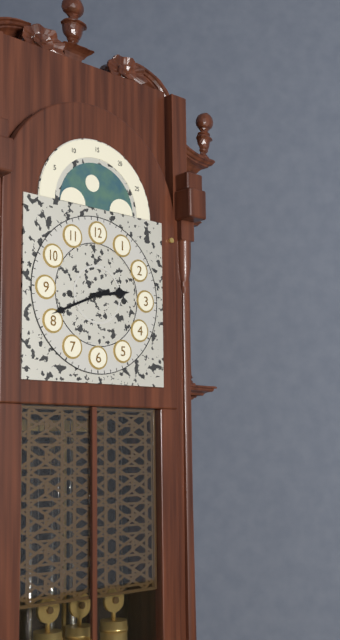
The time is 2:41
